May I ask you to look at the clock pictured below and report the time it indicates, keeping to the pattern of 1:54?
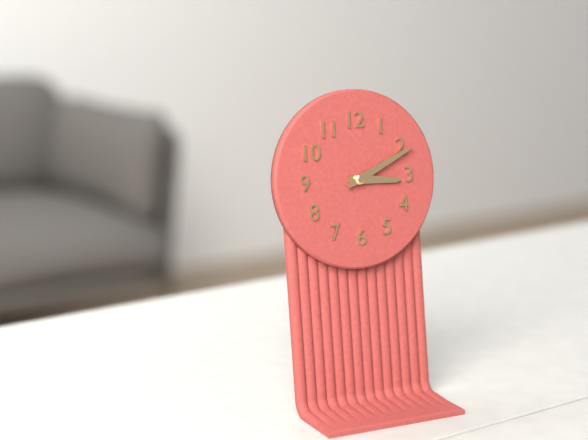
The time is 3:11
